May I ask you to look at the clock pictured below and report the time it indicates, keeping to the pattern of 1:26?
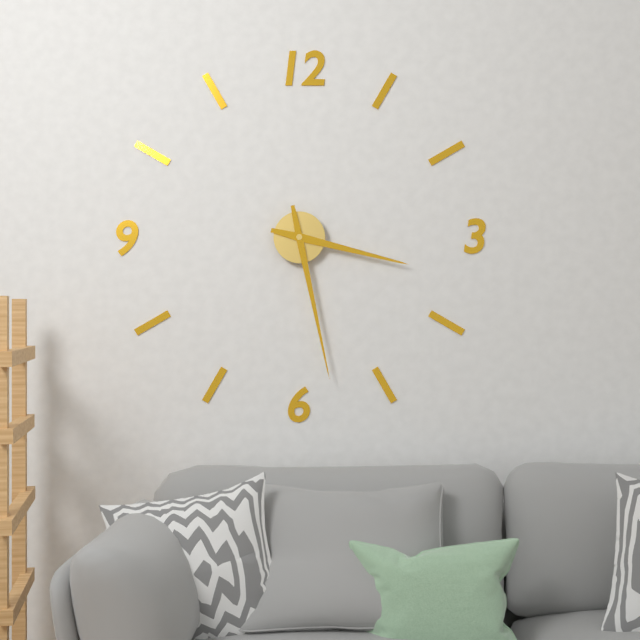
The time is 3:28
